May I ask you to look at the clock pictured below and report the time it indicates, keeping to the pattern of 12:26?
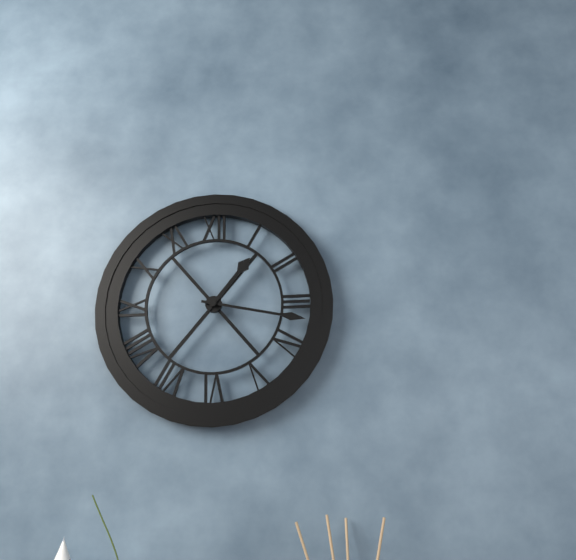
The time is 1:17
